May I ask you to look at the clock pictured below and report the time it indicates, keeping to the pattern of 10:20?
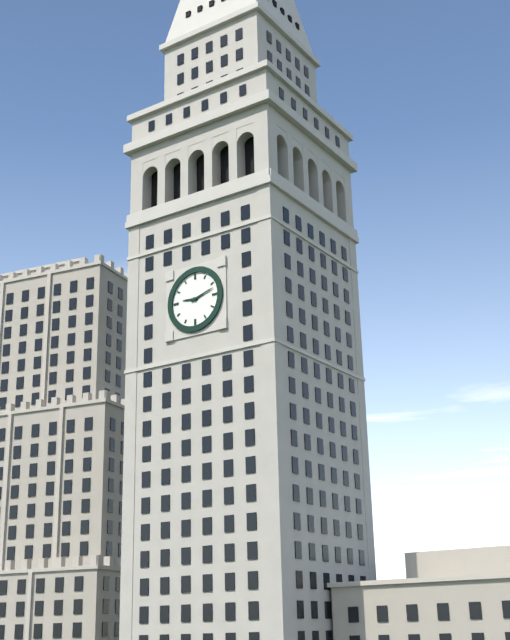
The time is 9:12
